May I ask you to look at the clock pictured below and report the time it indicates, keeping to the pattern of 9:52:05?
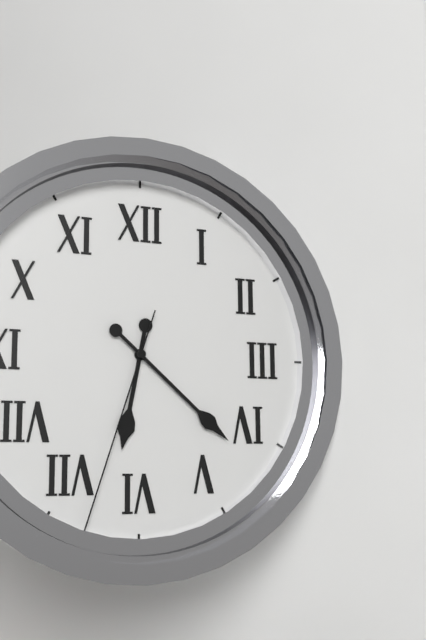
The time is 6:22:33
